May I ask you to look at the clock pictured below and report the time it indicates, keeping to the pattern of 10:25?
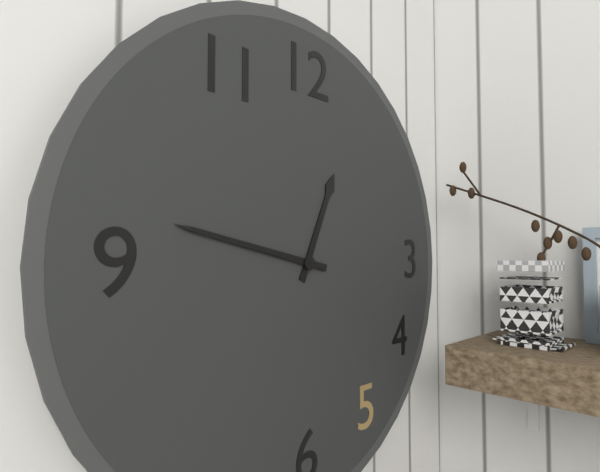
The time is 12:47
